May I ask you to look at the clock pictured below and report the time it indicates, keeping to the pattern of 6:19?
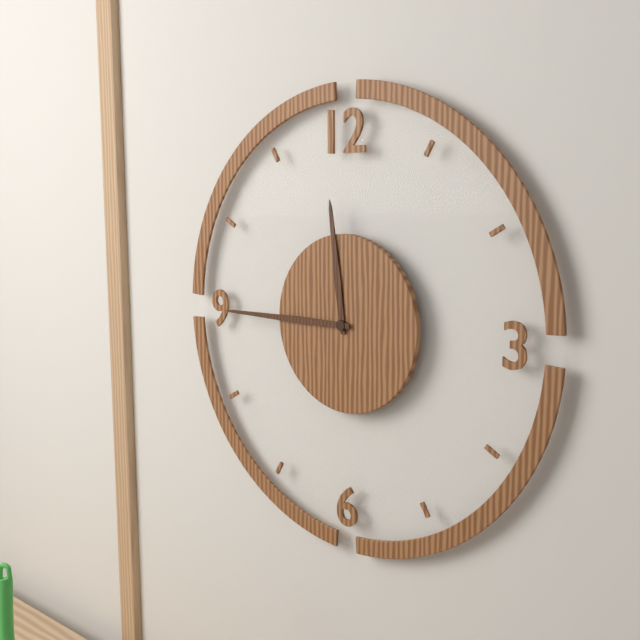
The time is 11:45
